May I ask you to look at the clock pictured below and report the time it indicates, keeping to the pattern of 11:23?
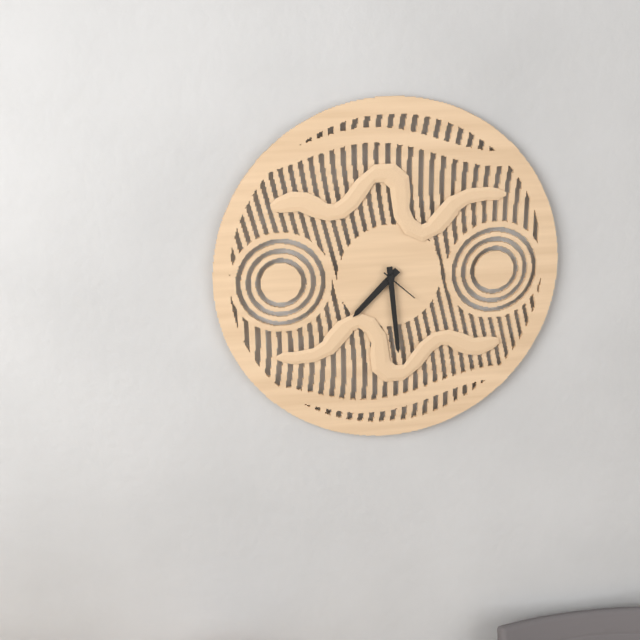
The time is 7:29
